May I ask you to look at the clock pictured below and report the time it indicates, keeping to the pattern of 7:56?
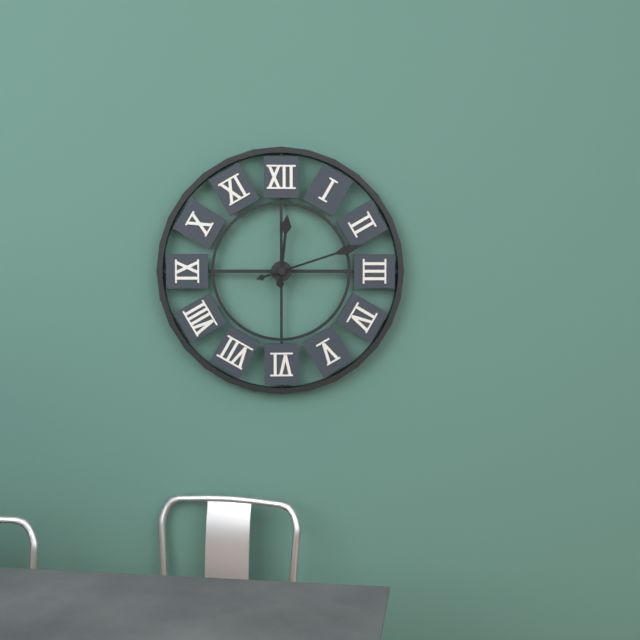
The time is 12:12
